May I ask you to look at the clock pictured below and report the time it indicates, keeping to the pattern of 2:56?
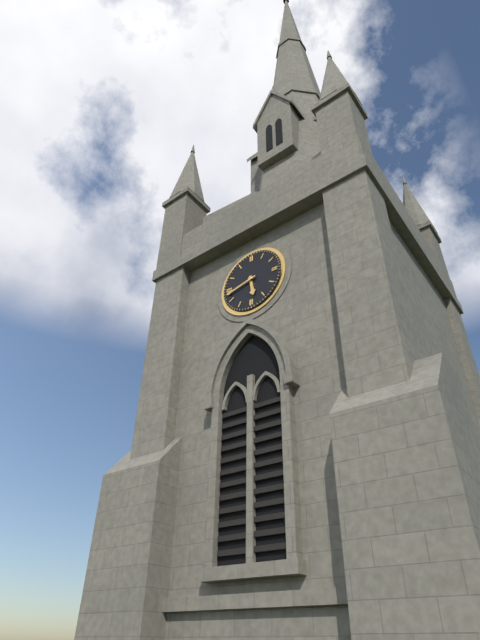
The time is 5:43
